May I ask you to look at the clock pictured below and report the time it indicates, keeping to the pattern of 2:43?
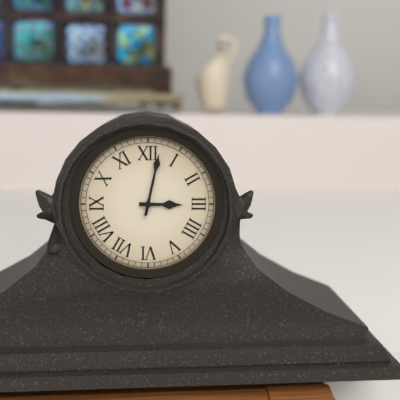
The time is 3:02
